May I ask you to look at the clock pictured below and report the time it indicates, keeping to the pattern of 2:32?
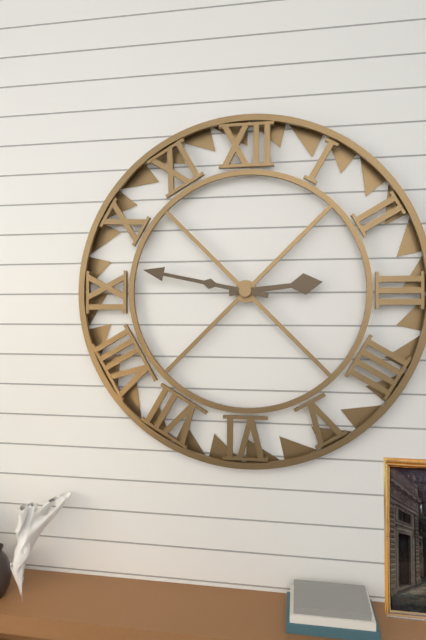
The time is 2:47
